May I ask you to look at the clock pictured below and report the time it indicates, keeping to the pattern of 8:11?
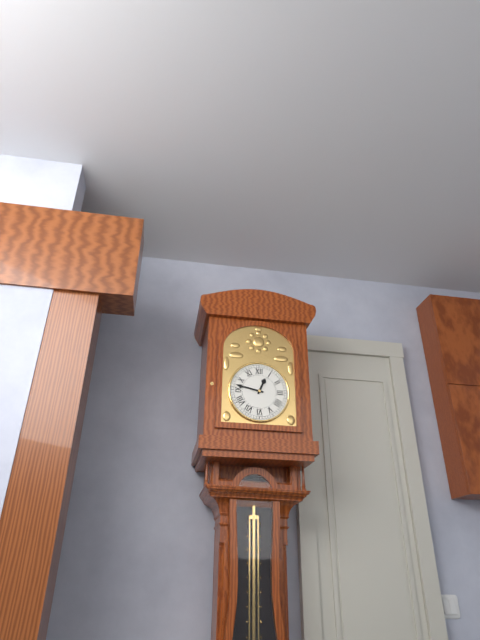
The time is 12:47
